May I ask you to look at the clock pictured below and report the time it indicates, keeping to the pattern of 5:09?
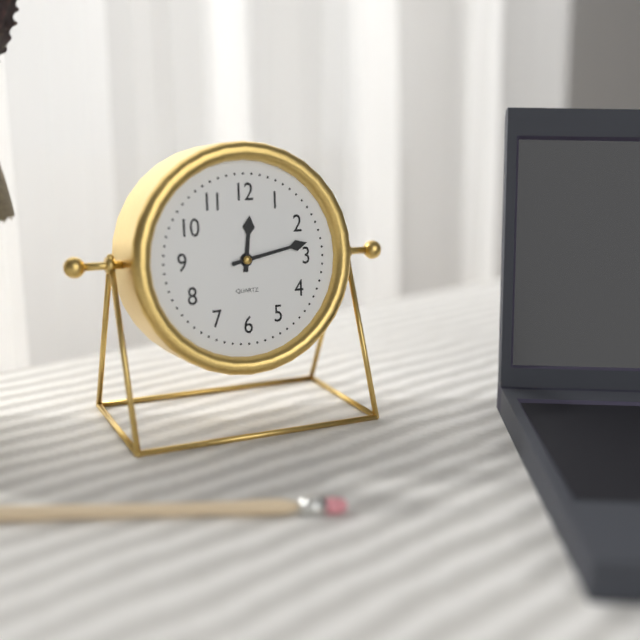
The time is 12:13
